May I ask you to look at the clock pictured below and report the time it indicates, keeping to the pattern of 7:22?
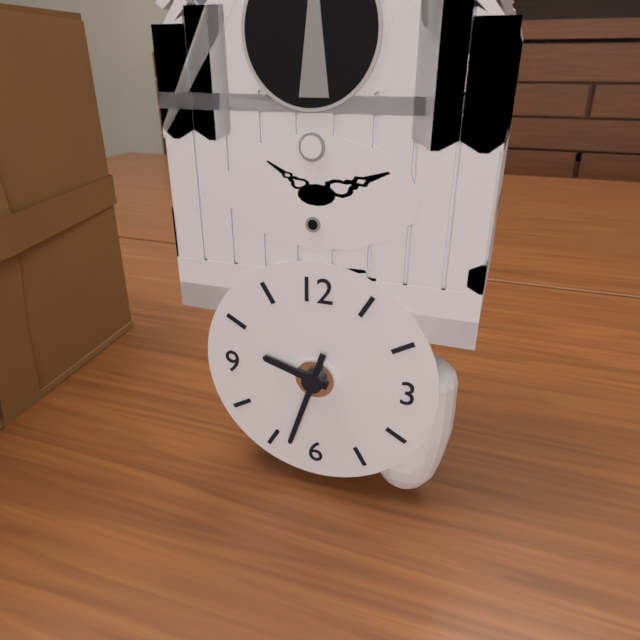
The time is 9:33
